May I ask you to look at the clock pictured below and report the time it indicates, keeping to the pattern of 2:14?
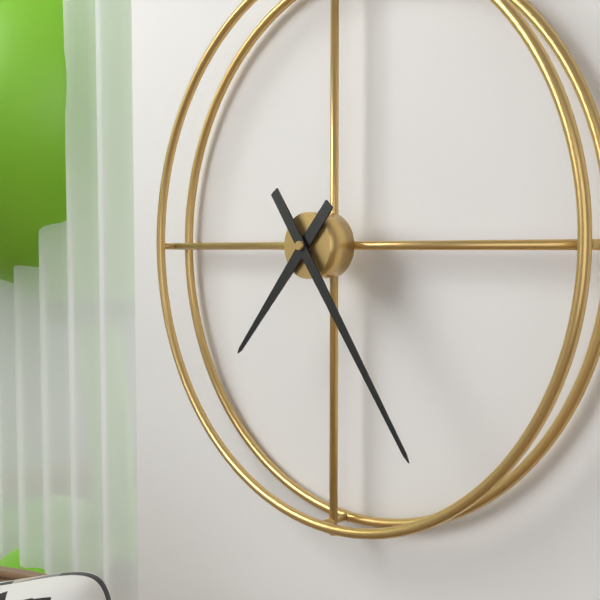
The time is 7:24
